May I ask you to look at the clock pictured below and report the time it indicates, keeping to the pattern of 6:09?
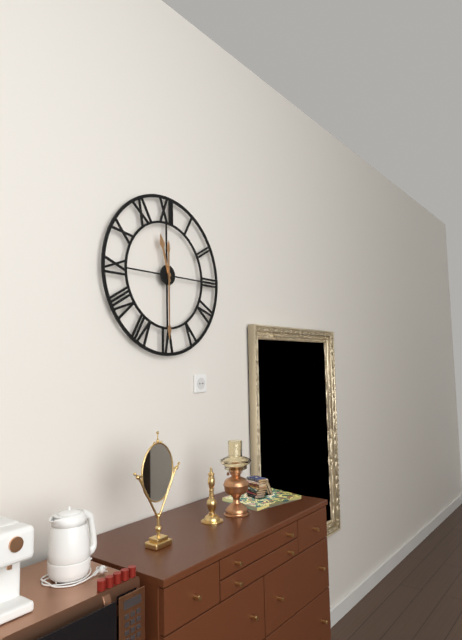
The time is 11:30
